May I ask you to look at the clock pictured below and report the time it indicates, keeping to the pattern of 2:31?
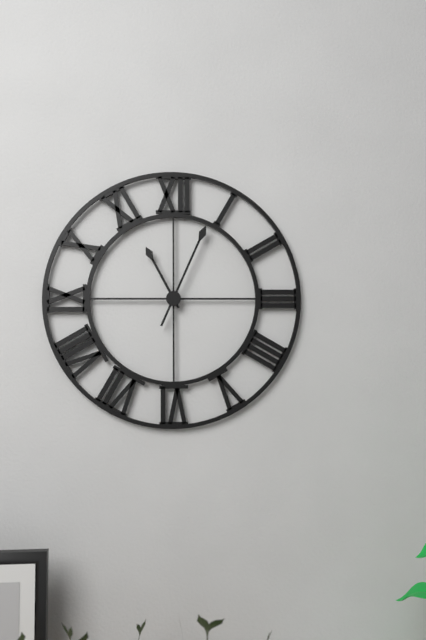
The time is 11:04
